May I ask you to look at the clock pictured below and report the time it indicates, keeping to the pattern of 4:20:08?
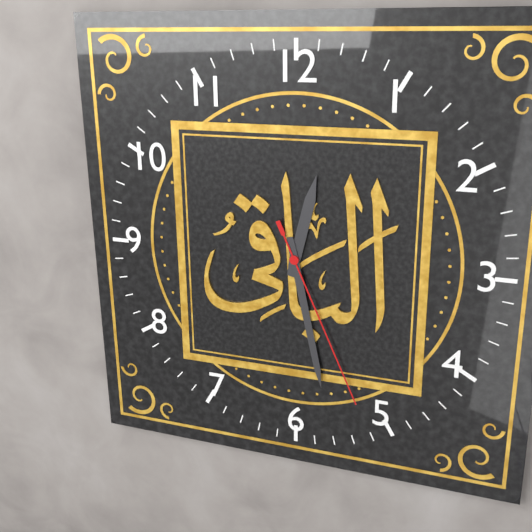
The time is 12:28:26
